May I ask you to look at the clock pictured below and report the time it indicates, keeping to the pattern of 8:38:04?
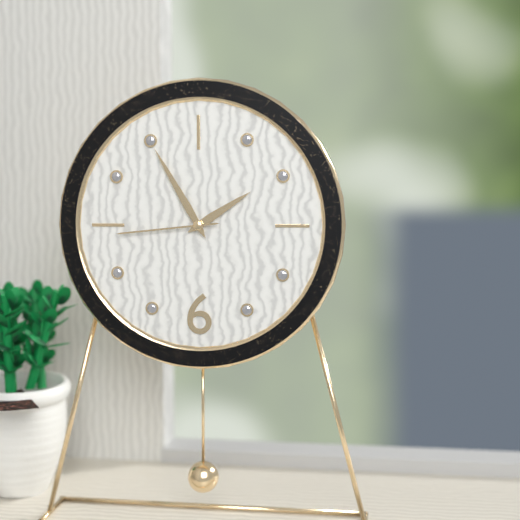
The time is 1:55:44
